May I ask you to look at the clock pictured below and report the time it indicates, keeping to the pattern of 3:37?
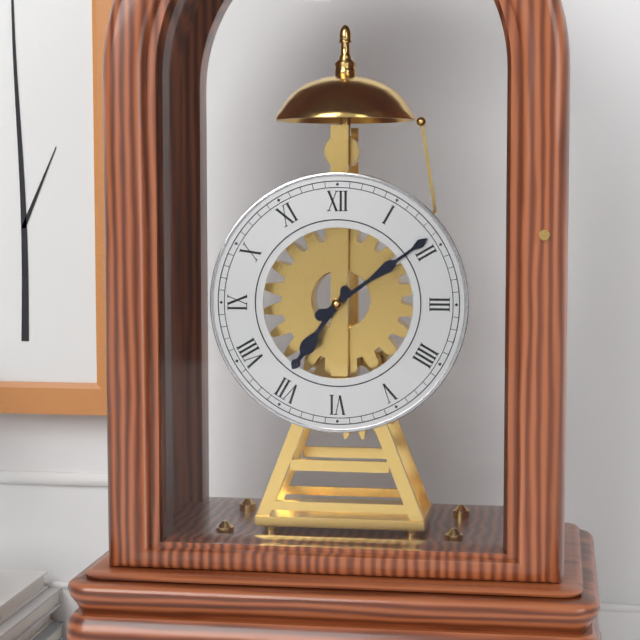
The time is 7:09
